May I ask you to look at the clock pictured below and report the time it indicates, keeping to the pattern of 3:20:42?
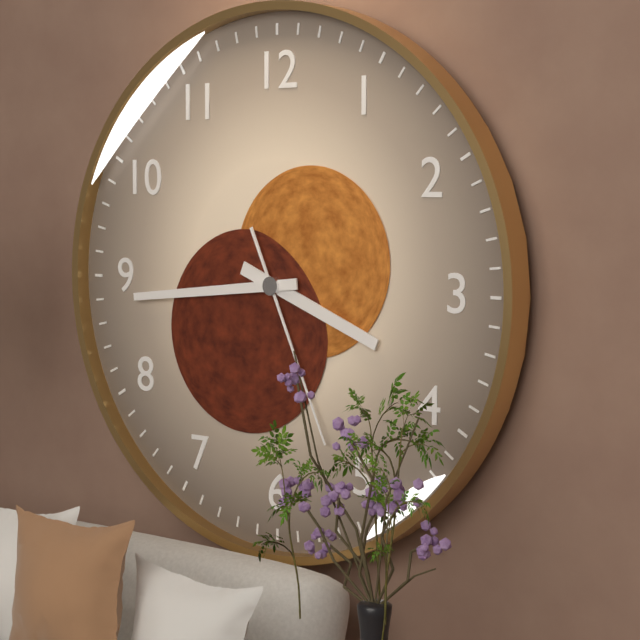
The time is 3:44:26
